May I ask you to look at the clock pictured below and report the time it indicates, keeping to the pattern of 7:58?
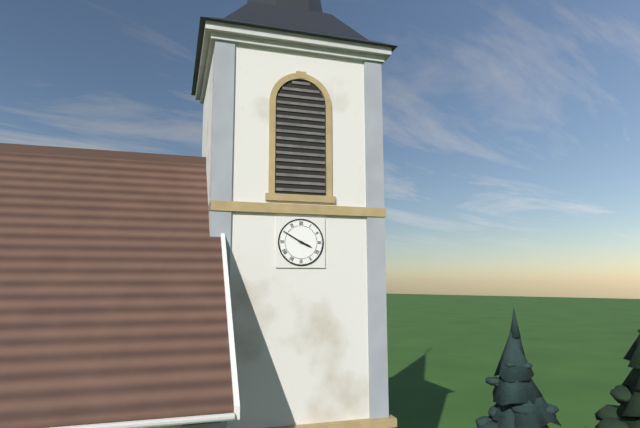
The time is 3:50
